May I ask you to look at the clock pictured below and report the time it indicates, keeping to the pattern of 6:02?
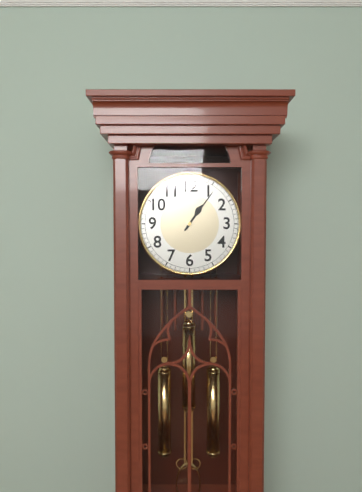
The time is 1:06
